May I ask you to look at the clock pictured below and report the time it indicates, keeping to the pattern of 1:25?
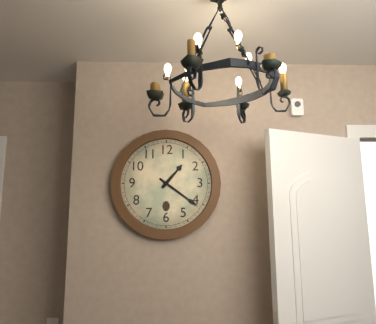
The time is 1:21
